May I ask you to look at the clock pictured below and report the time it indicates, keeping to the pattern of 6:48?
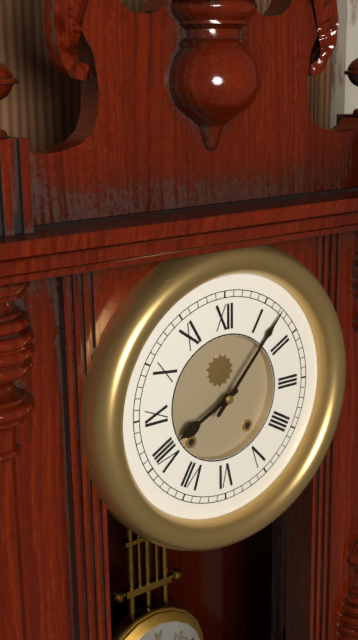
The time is 8:07
